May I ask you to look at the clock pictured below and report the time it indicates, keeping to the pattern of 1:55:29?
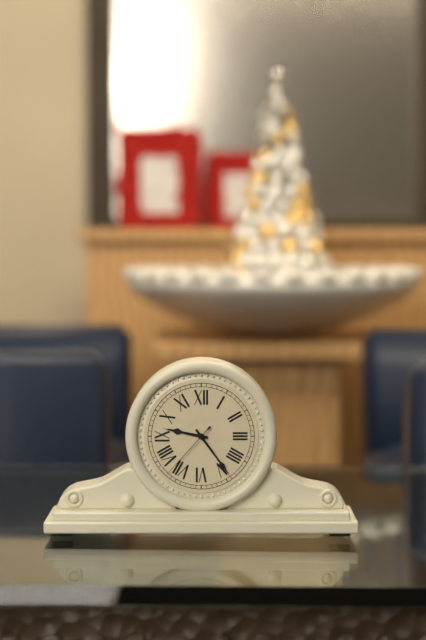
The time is 9:24:37
